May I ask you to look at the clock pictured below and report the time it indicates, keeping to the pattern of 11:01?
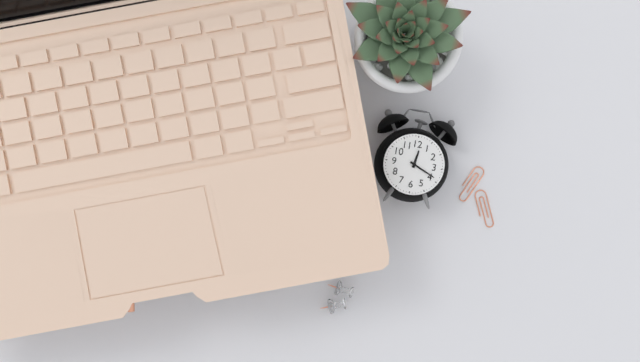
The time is 12:19
